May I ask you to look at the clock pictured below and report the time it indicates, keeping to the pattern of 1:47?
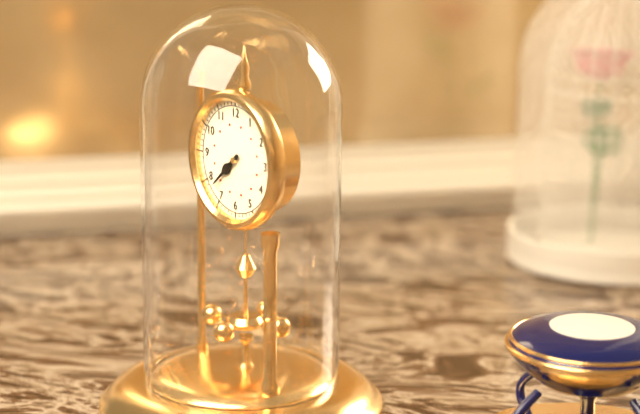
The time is 7:38
